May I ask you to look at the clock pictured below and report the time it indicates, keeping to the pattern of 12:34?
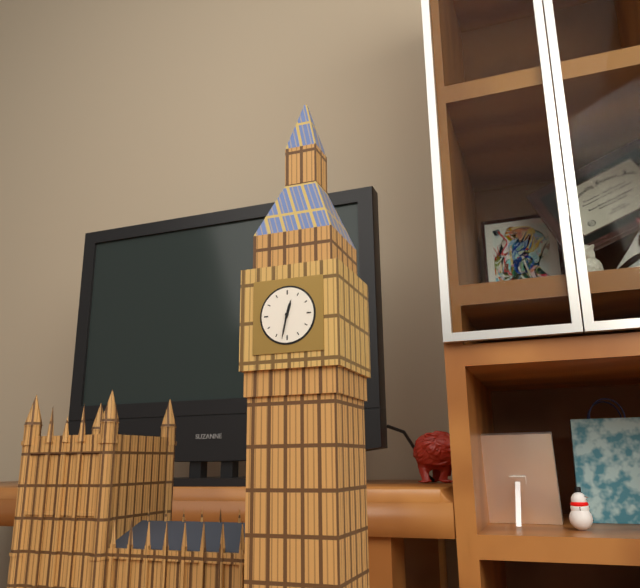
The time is 12:32
